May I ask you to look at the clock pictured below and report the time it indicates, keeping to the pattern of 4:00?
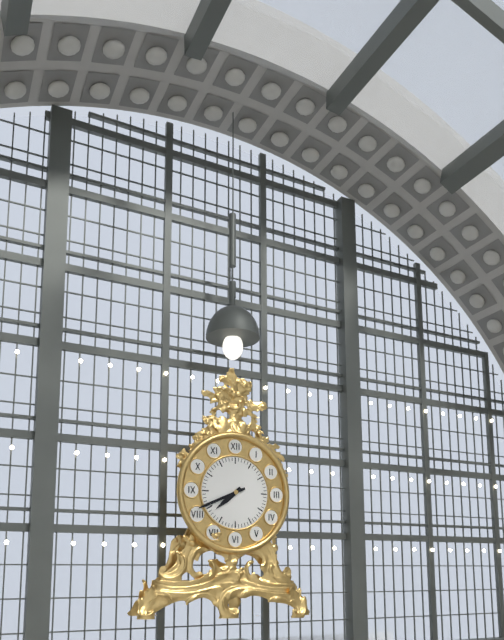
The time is 7:41
